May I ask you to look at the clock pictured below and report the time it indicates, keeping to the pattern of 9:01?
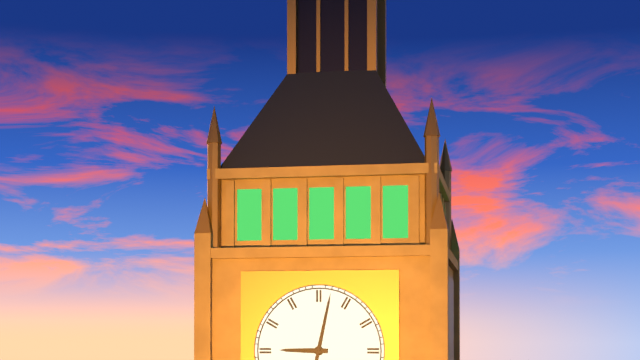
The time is 9:02
